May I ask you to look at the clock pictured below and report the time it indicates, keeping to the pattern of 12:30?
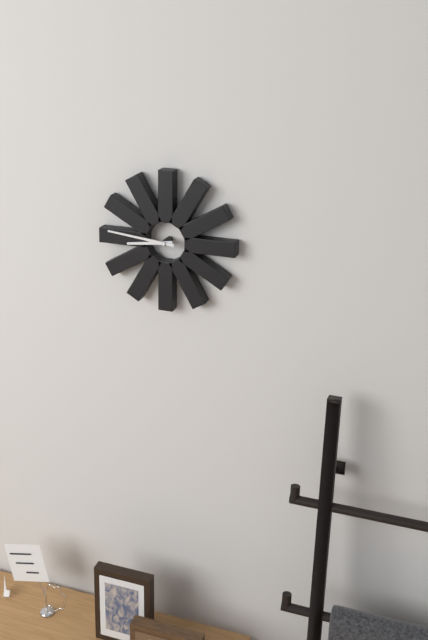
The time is 8:46
